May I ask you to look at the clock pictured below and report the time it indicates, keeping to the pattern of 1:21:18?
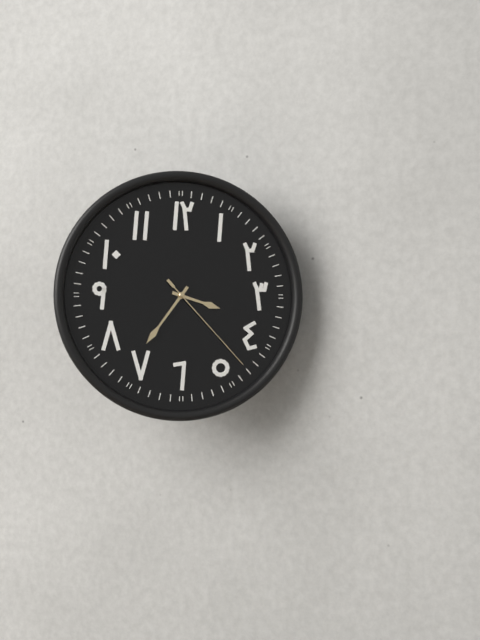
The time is 3:36:23
